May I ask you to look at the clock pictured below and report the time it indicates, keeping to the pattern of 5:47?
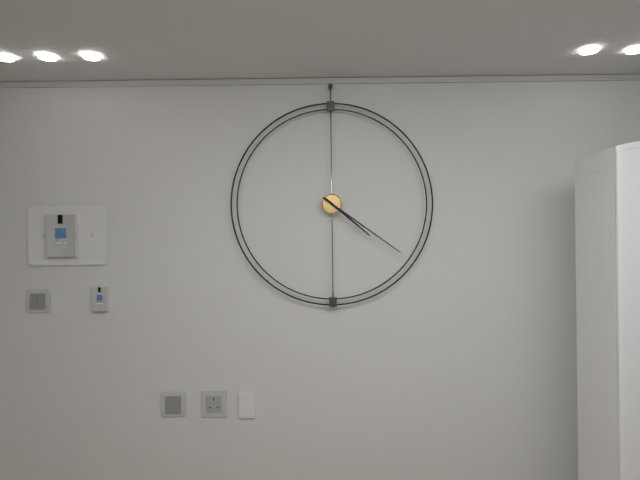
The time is 4:21
